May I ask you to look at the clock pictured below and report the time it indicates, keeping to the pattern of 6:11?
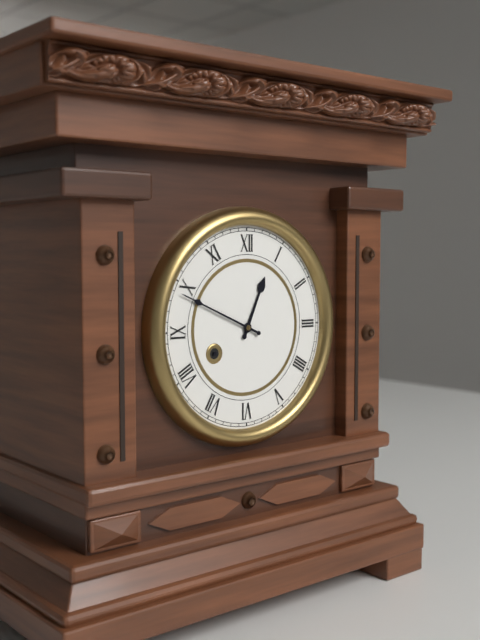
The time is 12:49
